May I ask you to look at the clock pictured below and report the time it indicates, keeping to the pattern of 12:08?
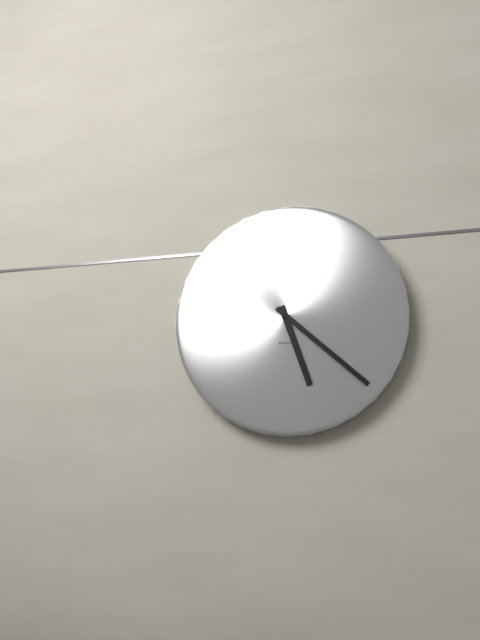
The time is 5:22
